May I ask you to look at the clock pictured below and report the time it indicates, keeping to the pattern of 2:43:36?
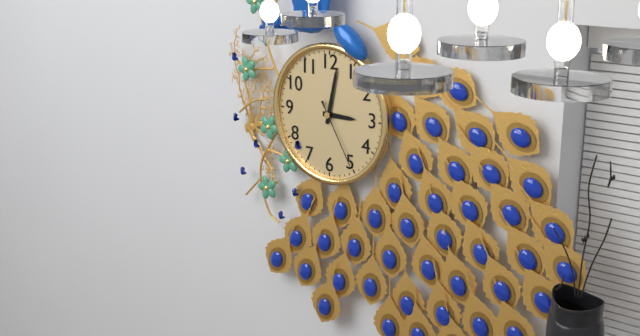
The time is 3:02:25
